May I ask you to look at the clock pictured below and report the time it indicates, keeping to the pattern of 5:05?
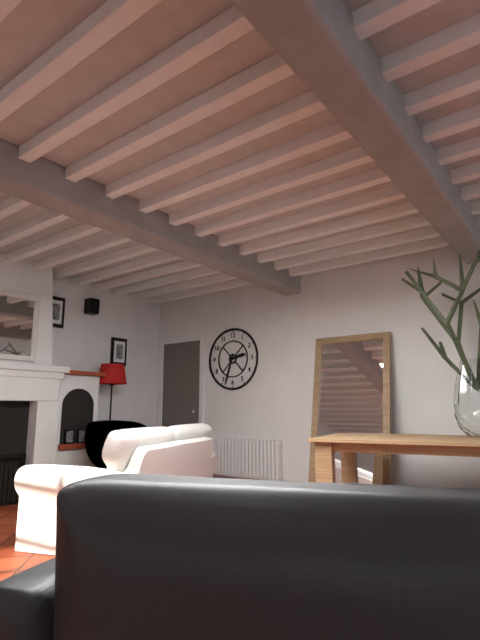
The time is 2:33
